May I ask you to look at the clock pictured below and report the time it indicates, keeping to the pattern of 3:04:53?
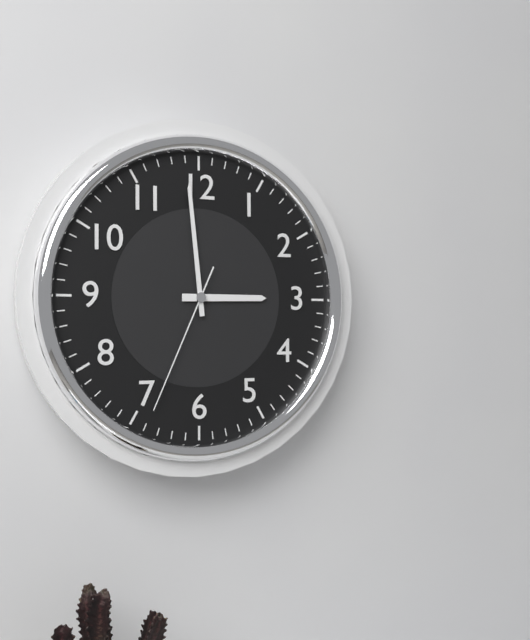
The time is 2:59:34
